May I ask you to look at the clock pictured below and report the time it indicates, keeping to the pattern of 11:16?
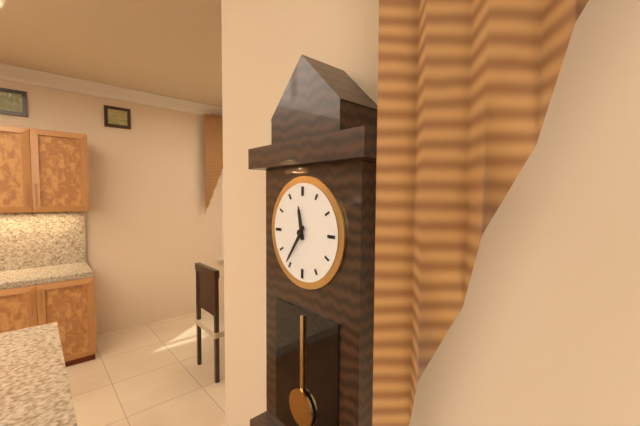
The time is 11:36
